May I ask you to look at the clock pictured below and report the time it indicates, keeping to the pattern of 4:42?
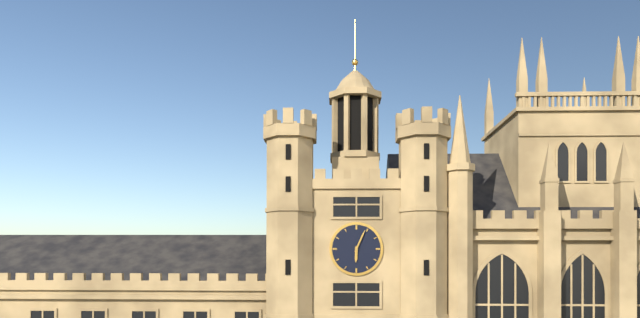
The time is 6:04
